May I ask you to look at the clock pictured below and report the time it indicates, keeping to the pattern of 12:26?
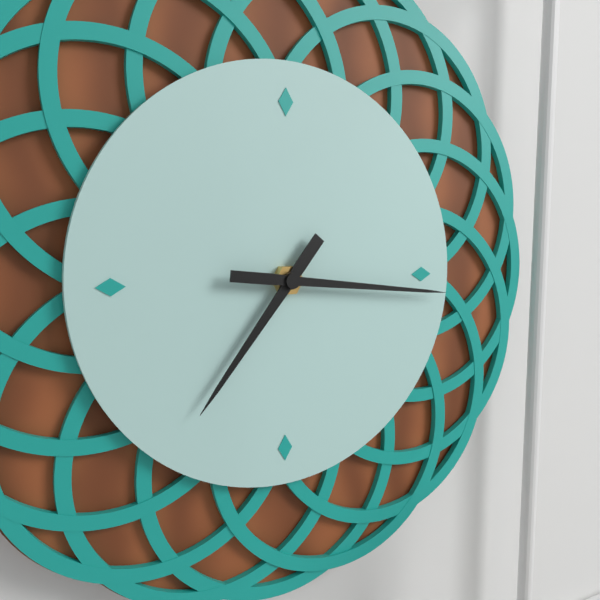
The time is 7:16
